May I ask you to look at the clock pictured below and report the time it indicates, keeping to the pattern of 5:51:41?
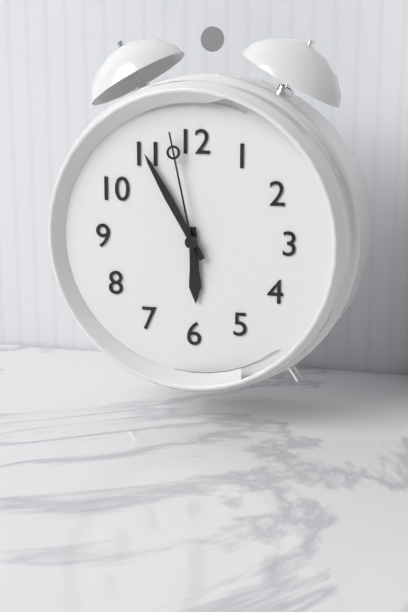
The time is 5:55:58
